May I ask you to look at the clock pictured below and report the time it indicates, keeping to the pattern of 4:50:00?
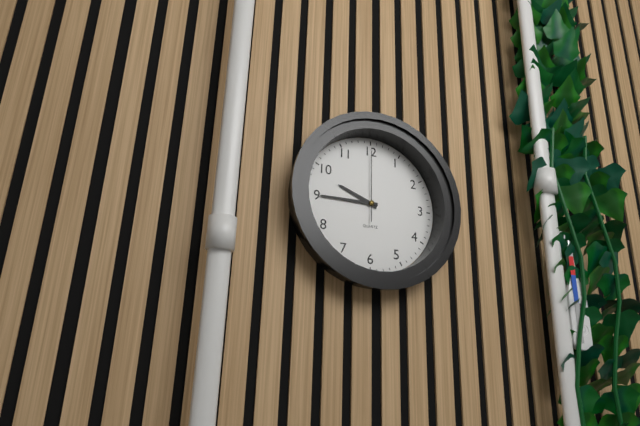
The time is 9:45:00
